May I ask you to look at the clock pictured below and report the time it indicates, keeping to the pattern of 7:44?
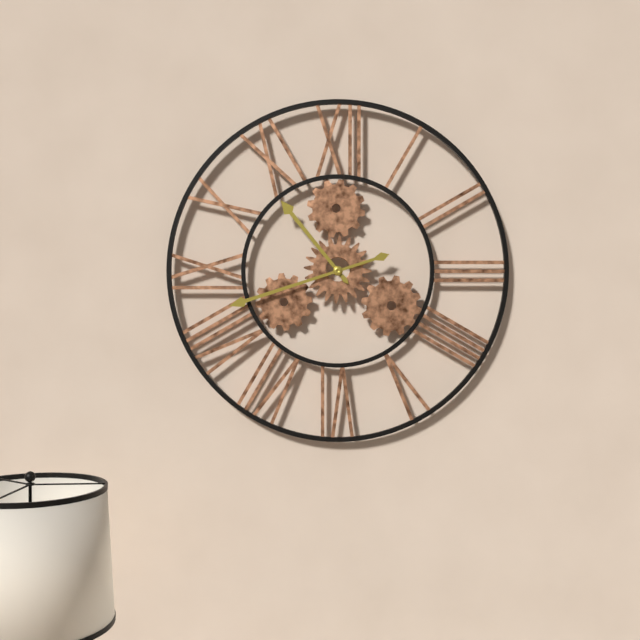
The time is 10:42
